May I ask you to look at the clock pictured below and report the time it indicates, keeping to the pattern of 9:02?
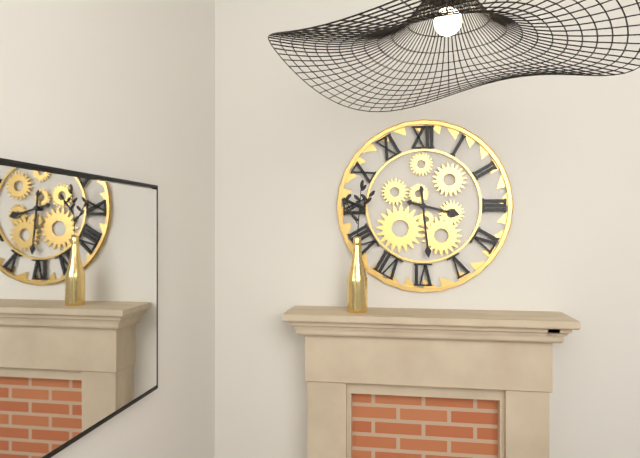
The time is 3:29
